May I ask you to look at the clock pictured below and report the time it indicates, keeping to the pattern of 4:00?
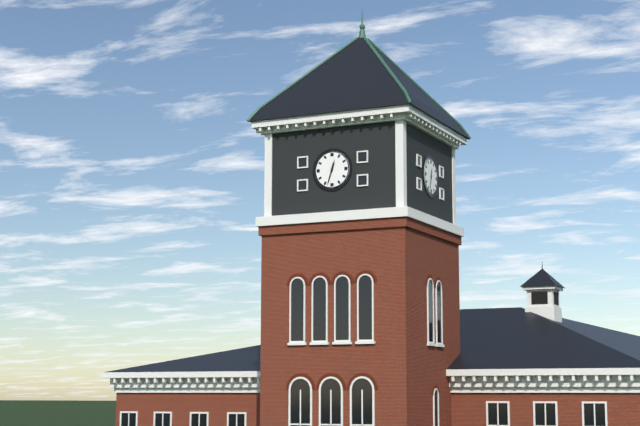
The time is 12:33
